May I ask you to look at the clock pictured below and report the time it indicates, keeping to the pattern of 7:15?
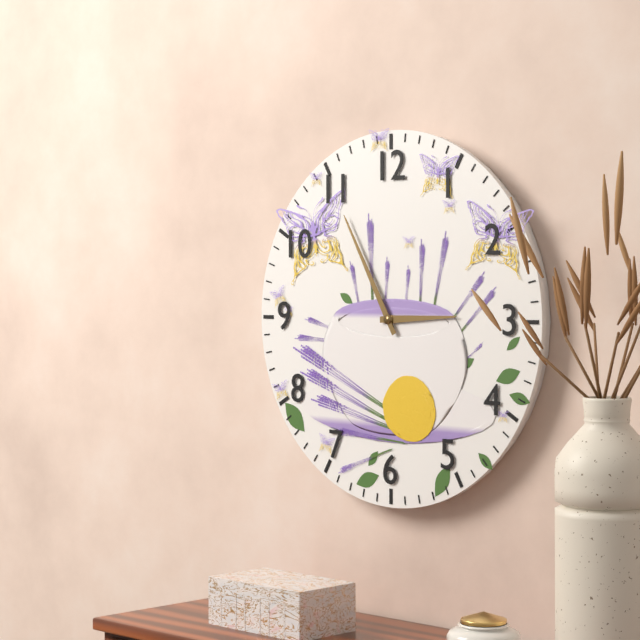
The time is 2:55
